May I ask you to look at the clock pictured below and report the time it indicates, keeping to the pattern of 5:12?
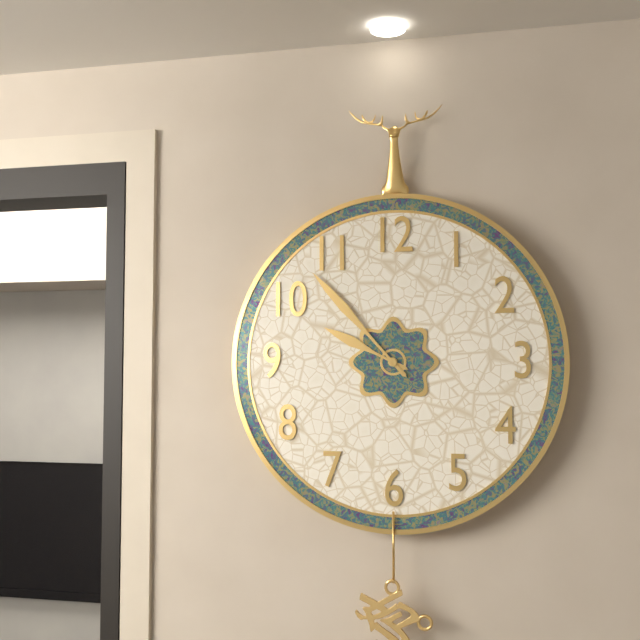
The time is 9:53
